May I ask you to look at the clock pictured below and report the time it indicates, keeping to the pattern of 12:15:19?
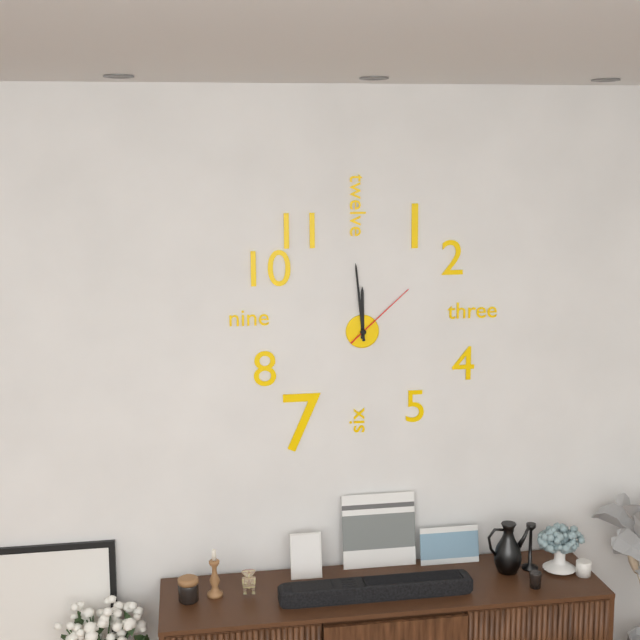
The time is 11:59:08
